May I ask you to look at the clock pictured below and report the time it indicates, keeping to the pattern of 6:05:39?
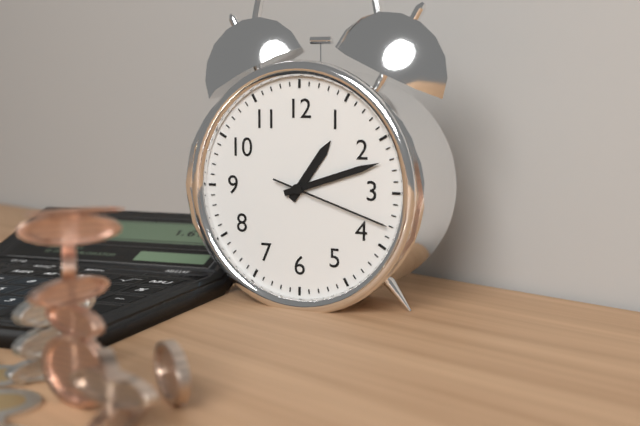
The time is 1:12:18
